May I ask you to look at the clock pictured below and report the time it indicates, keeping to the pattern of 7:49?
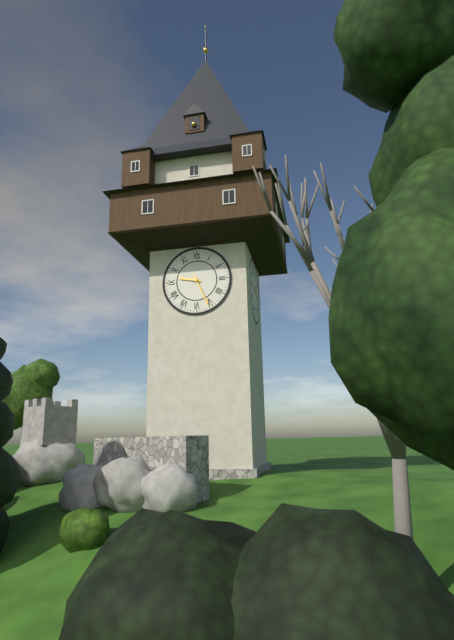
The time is 9:26
